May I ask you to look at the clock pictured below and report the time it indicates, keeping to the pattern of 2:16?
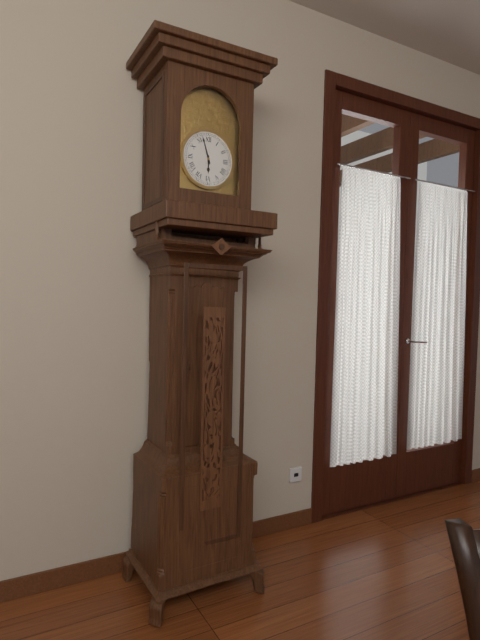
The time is 5:57
